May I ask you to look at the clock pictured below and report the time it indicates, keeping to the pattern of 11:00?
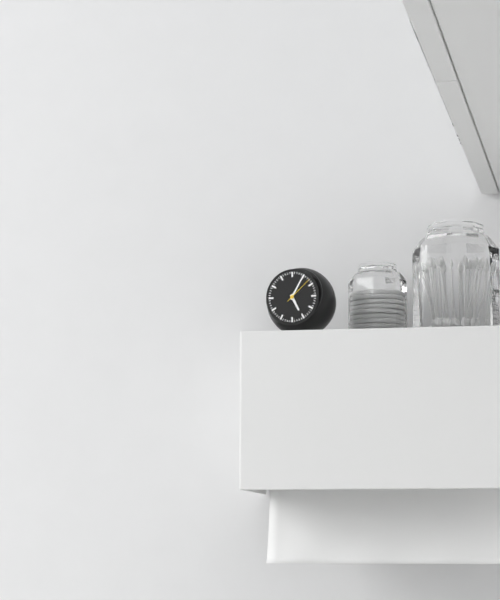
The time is 5:05
